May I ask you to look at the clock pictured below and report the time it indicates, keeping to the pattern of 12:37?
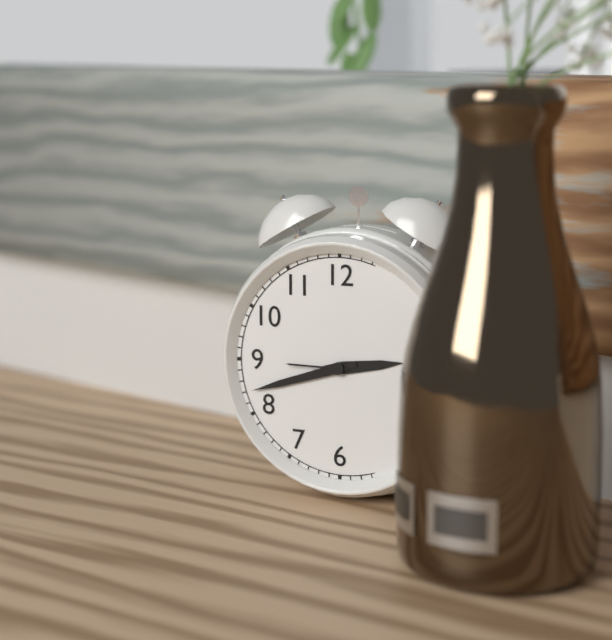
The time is 2:42
